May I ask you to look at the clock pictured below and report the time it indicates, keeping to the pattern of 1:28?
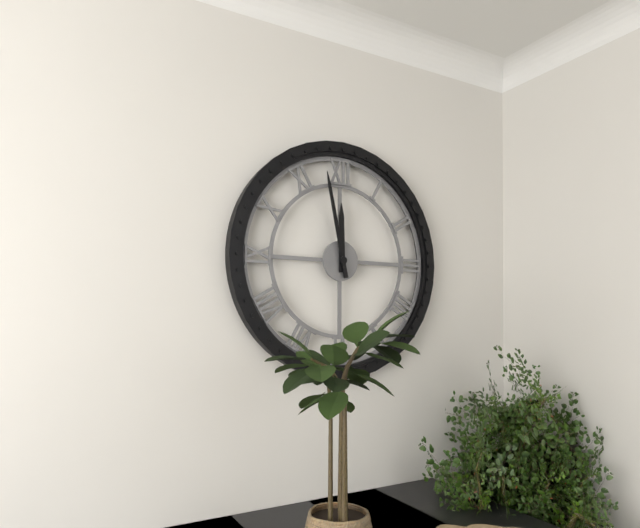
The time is 11:58
